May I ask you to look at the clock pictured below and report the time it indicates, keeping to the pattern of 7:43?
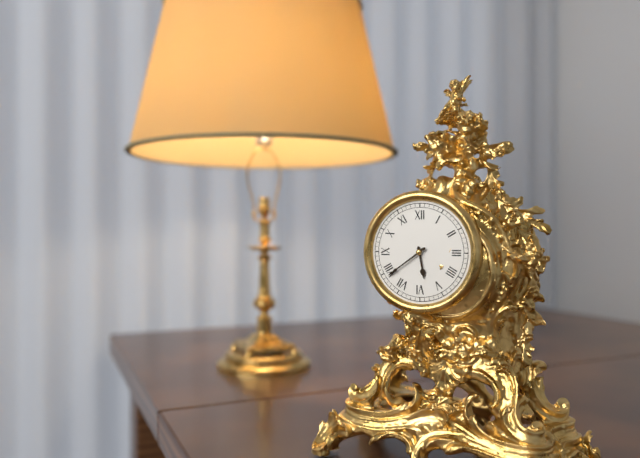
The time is 5:39
